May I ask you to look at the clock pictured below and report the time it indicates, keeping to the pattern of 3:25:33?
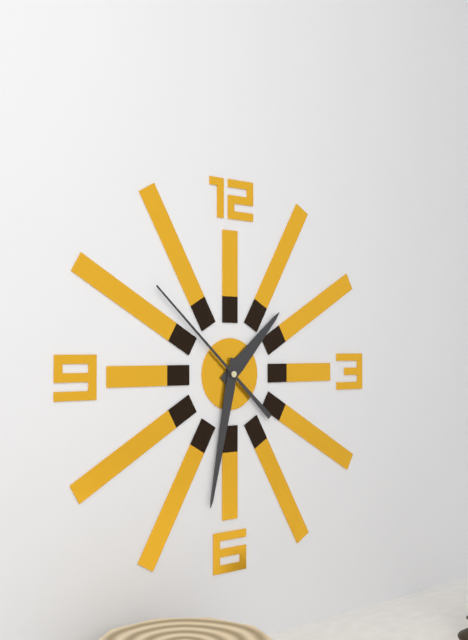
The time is 1:32:52
